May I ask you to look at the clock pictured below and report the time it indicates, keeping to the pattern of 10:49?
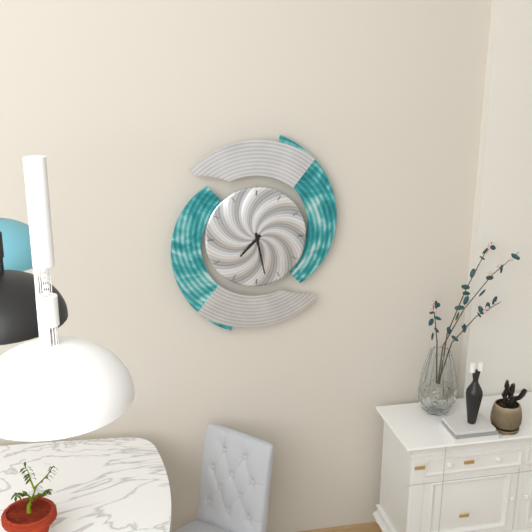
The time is 7:28
